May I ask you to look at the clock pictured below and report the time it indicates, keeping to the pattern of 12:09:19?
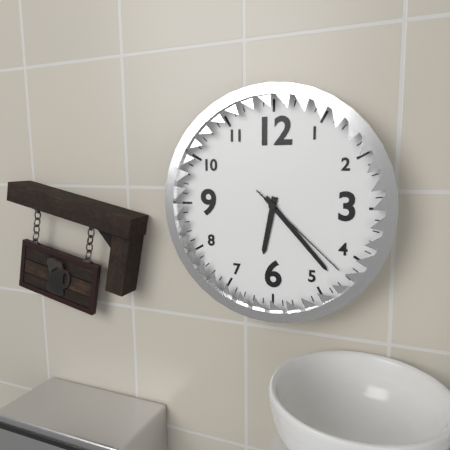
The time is 6:23:22
